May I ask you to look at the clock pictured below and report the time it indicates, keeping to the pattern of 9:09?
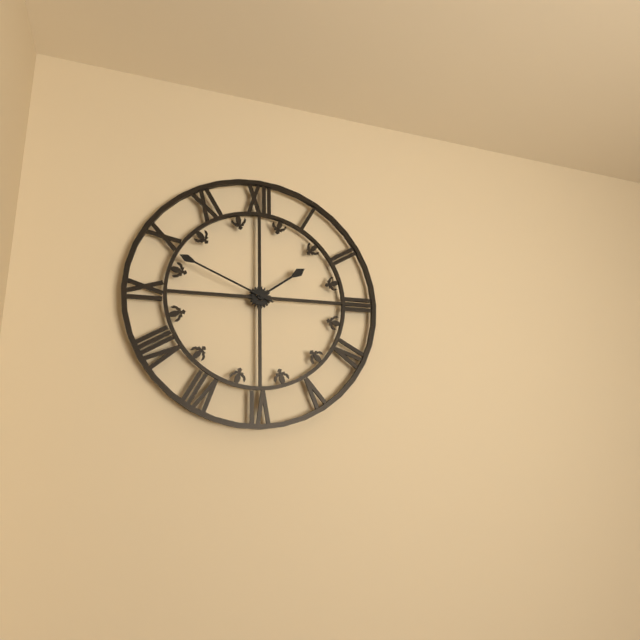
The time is 1:49
